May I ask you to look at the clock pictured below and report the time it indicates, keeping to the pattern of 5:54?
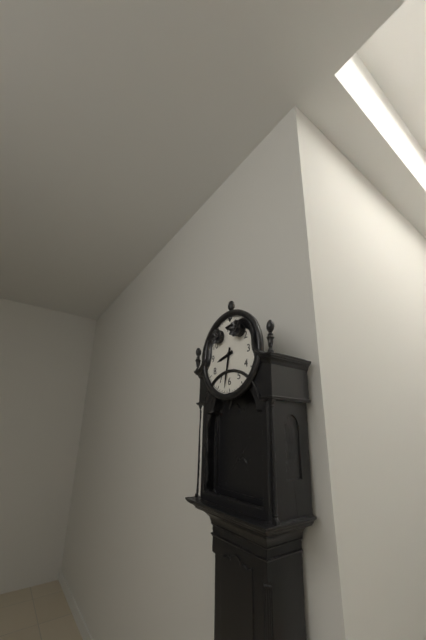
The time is 8:32
